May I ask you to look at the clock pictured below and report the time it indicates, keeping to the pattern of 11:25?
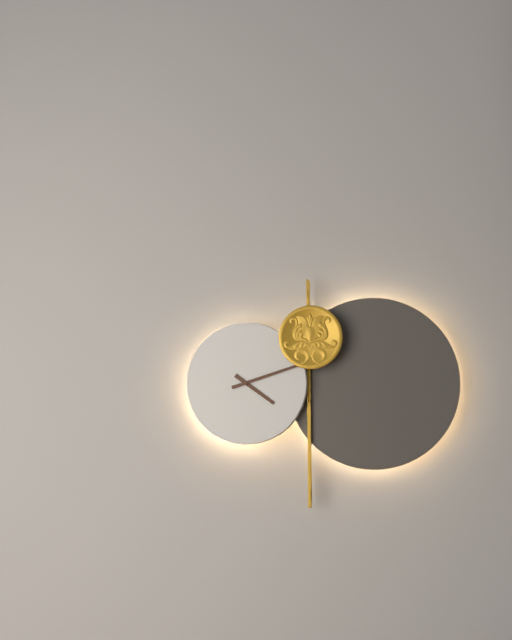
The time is 4:12
